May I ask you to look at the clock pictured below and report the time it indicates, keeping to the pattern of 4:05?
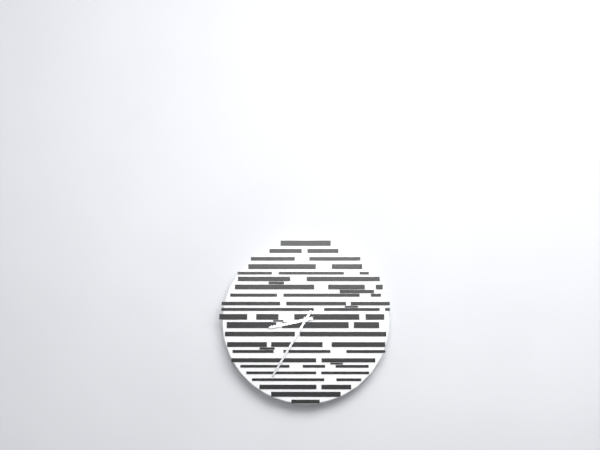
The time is 8:35
